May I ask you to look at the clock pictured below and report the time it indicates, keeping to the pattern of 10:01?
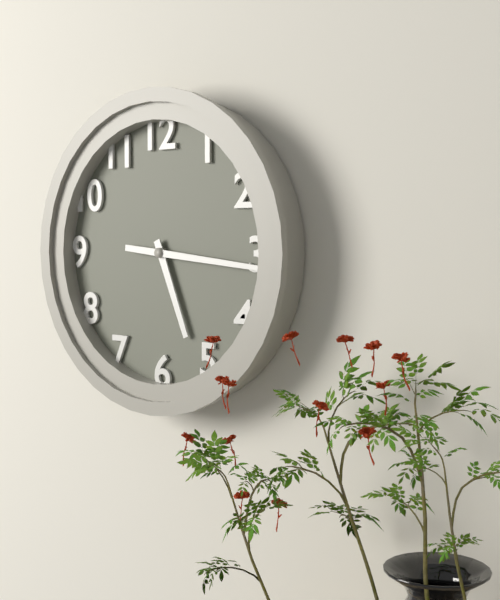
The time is 5:16
